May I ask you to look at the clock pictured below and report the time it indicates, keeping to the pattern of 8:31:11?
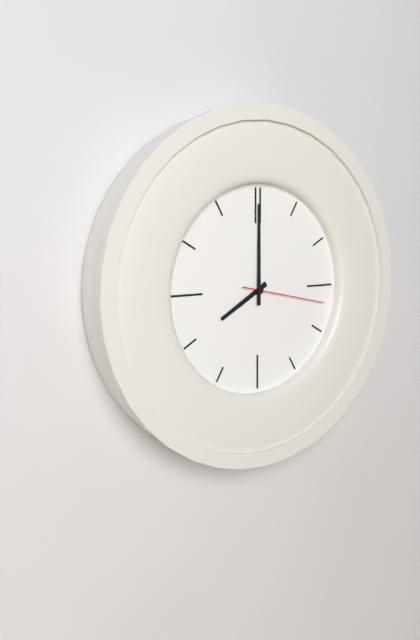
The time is 8:00:17
